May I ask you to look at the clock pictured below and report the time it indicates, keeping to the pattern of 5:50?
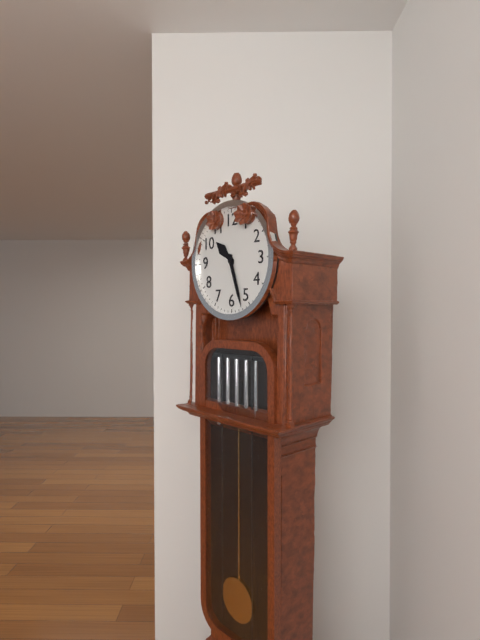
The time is 10:27
